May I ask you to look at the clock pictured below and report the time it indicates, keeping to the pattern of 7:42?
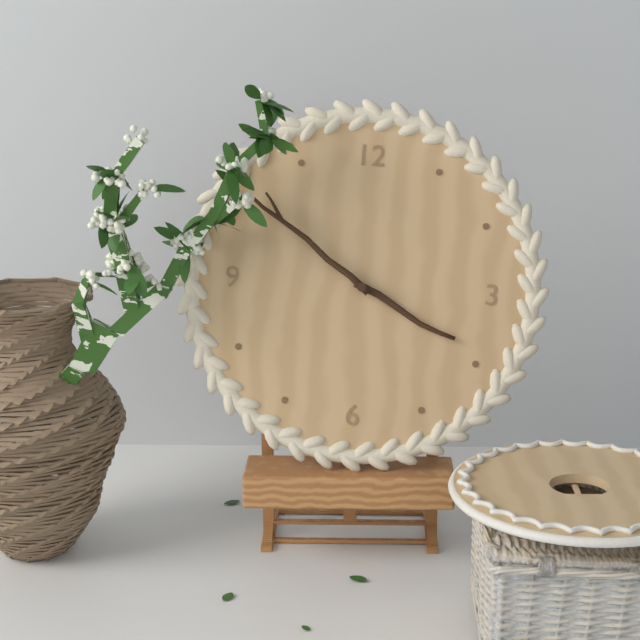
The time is 3:51
